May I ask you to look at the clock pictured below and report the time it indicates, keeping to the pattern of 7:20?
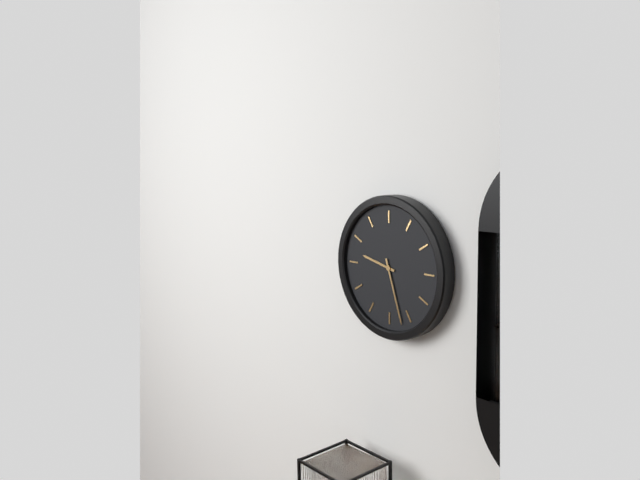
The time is 9:27
